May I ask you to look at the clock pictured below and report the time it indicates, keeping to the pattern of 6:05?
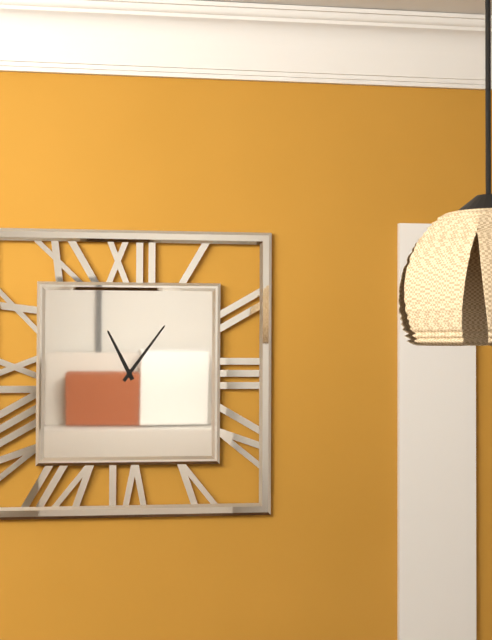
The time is 11:06
